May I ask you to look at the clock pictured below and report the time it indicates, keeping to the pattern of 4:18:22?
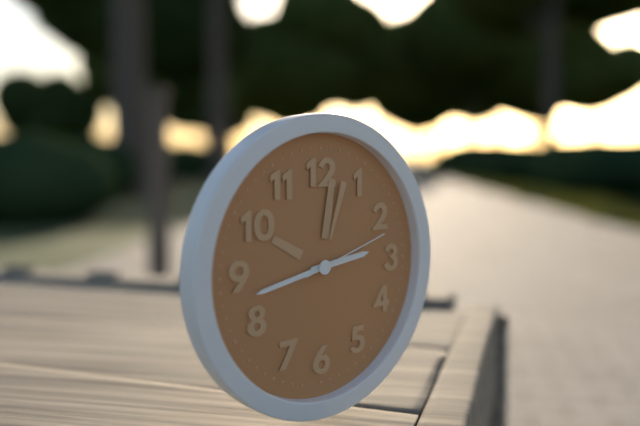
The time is 2:43:12
